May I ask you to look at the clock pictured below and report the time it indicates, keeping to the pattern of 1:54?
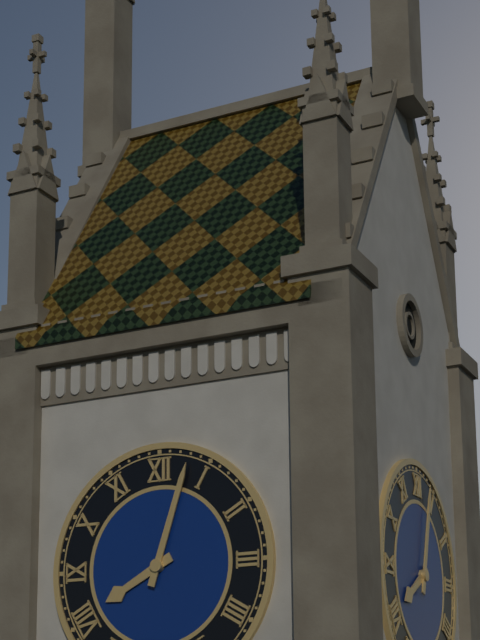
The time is 8:03
